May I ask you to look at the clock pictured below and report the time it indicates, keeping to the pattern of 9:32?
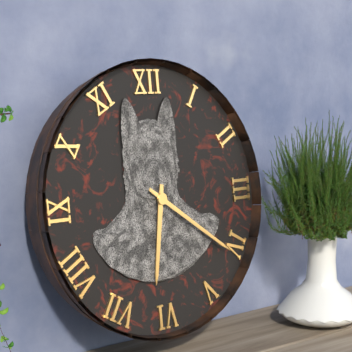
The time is 6:21
